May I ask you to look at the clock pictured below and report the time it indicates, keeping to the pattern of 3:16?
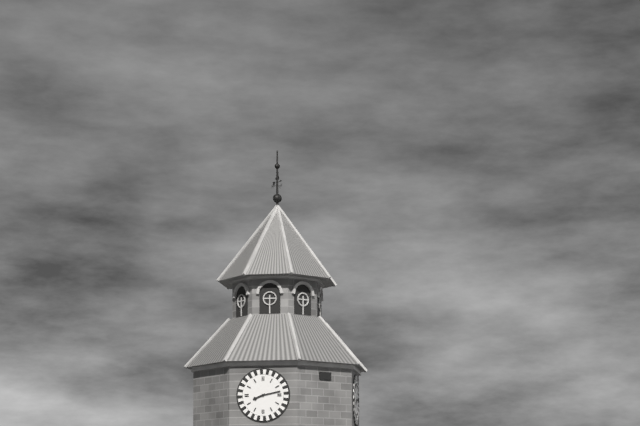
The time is 8:13
